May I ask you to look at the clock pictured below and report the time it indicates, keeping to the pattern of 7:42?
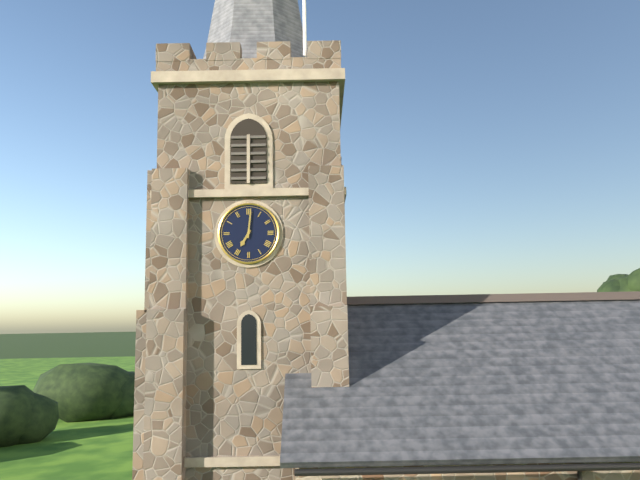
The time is 7:01
